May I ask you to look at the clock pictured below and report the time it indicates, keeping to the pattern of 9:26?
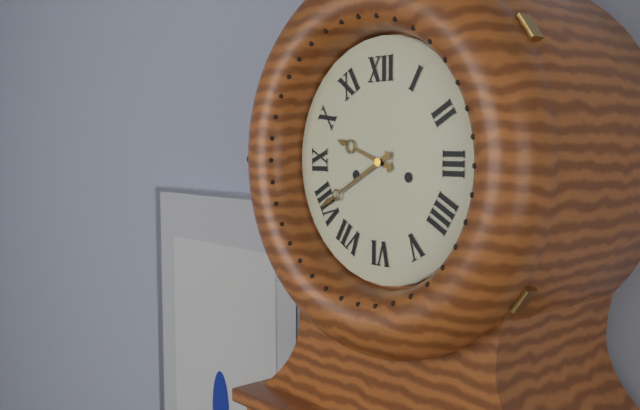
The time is 9:40
